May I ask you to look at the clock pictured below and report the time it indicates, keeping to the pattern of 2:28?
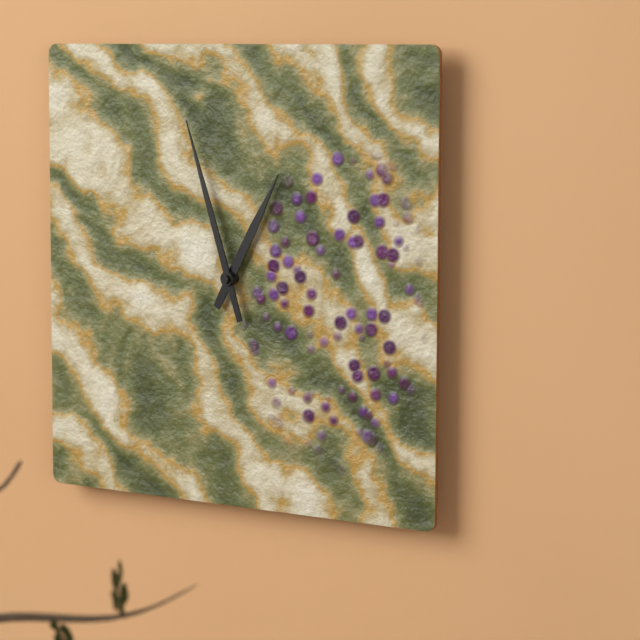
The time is 12:57
